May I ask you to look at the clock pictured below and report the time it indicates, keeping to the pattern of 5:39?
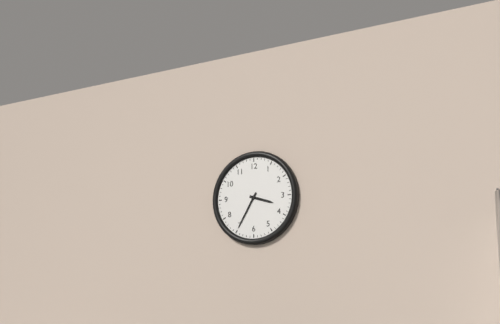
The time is 3:35
